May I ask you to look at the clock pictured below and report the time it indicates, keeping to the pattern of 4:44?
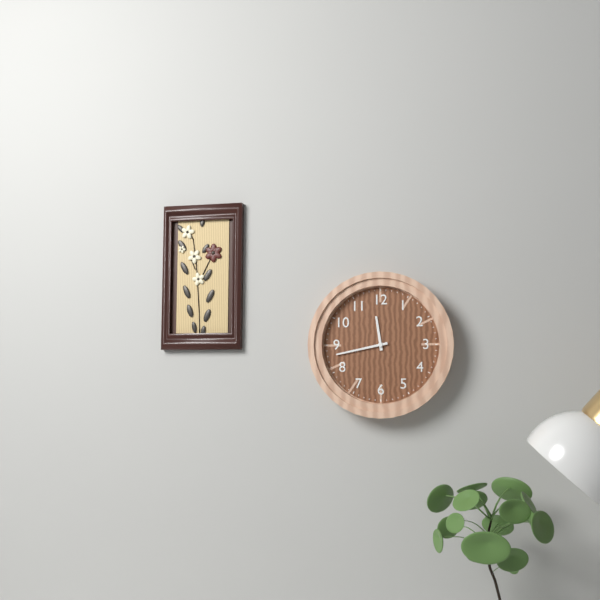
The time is 11:43
